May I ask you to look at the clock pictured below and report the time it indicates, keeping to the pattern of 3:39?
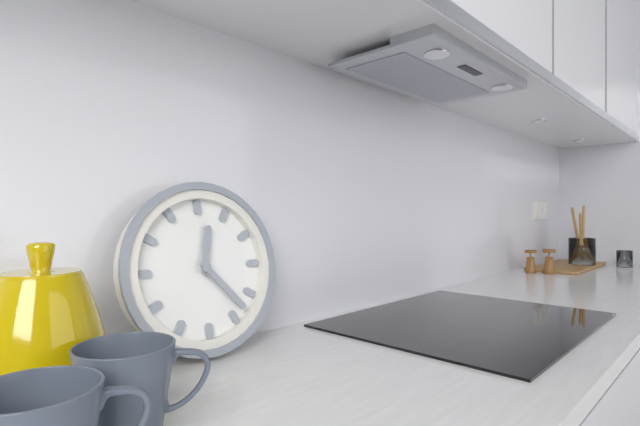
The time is 12:23
